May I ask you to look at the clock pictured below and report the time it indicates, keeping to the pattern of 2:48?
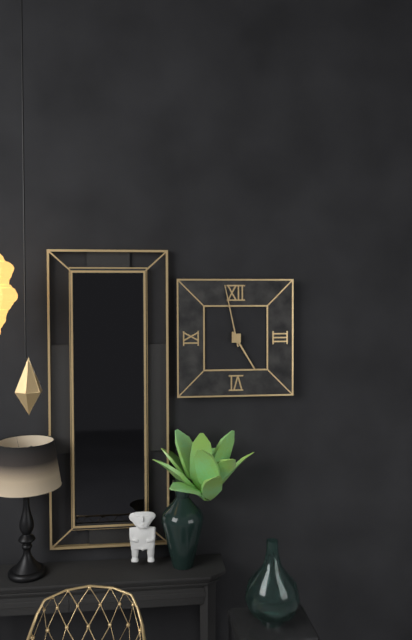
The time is 4:58
